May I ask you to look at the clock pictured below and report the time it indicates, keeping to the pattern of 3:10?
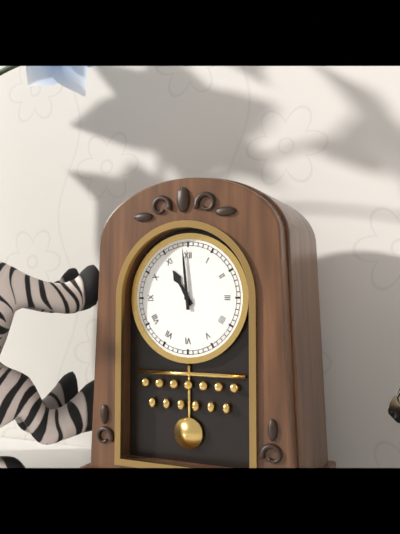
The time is 10:59
